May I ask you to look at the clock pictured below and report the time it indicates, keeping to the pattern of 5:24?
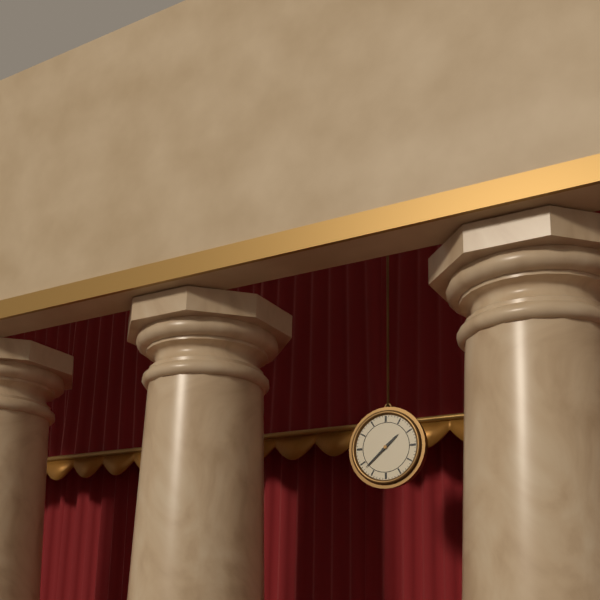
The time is 1:38
